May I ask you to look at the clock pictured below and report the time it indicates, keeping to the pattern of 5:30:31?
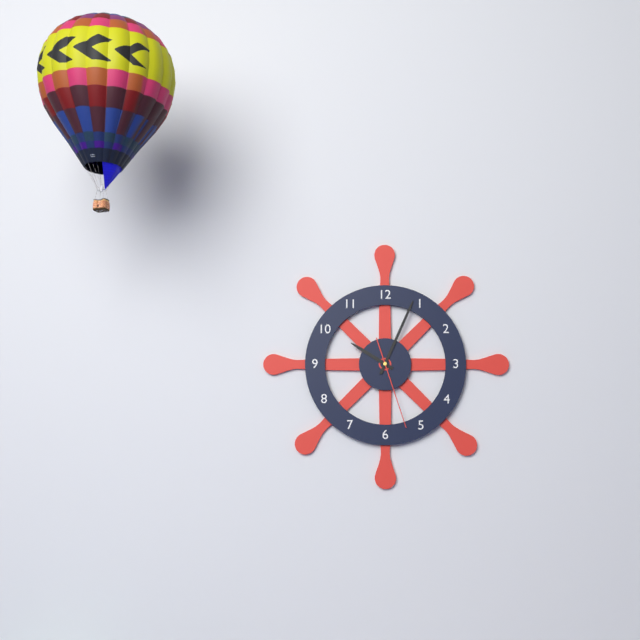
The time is 10:04:27
